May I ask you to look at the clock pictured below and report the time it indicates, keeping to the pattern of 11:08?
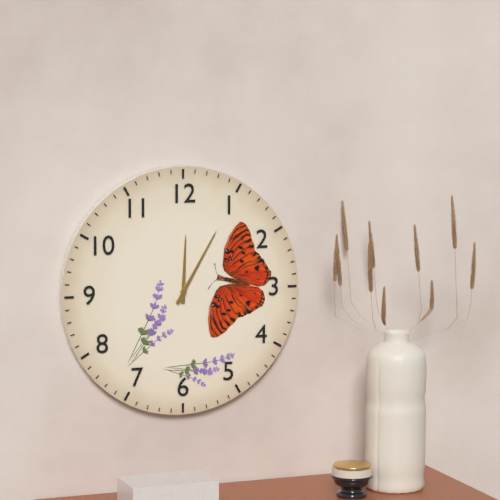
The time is 12:05
